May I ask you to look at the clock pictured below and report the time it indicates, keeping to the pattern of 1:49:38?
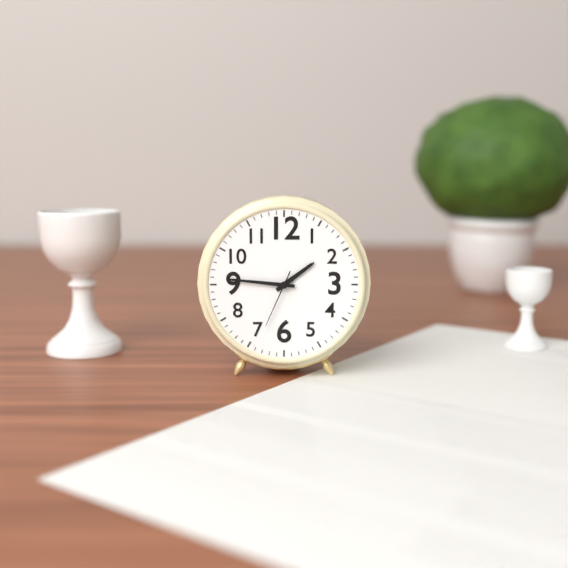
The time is 1:46:34
